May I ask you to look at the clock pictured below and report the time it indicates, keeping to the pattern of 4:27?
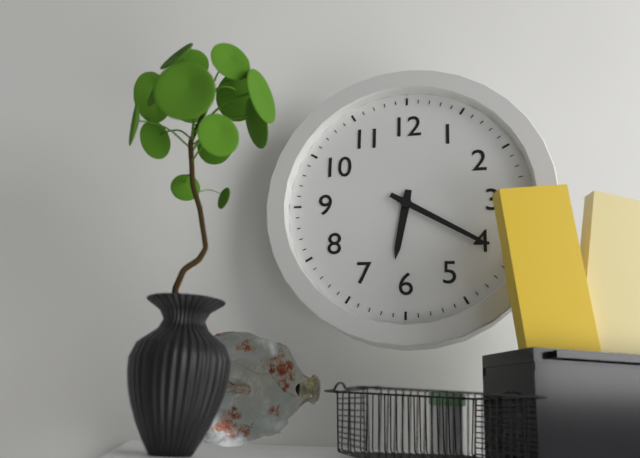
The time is 6:20
